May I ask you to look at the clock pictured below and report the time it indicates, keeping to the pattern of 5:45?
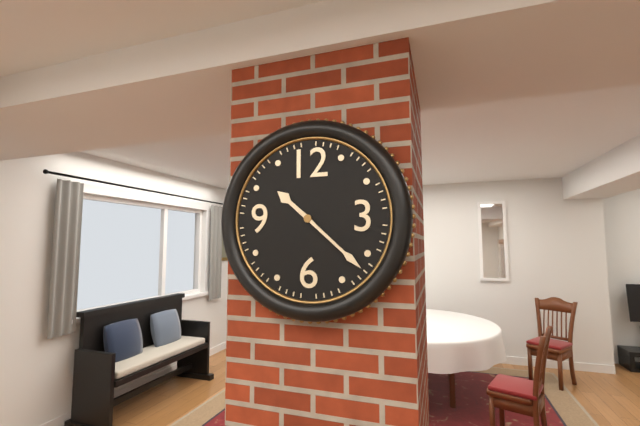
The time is 10:22
